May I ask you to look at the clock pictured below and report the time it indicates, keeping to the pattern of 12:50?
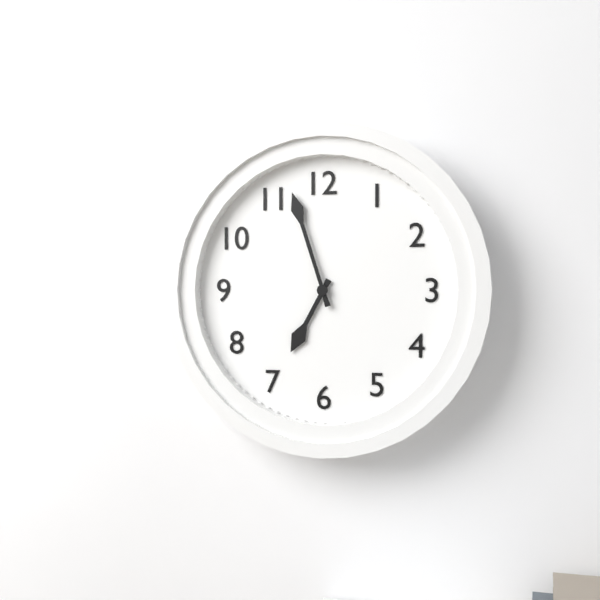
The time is 6:57
